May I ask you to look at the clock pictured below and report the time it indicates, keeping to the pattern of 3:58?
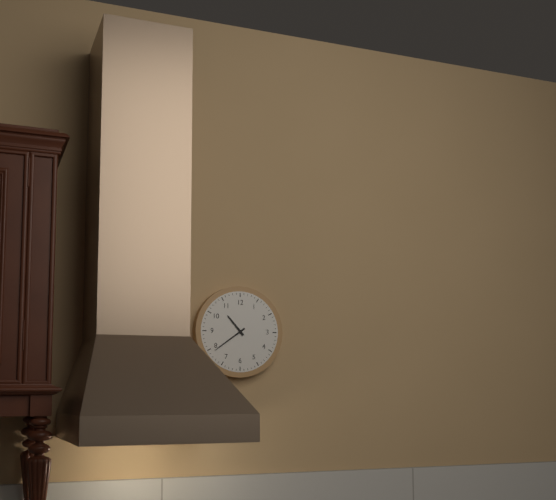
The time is 10:39
